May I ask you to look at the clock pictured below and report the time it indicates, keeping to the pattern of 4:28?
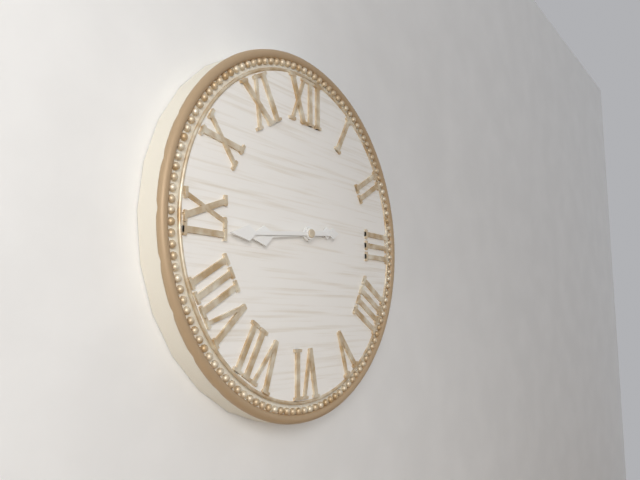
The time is 8:44
